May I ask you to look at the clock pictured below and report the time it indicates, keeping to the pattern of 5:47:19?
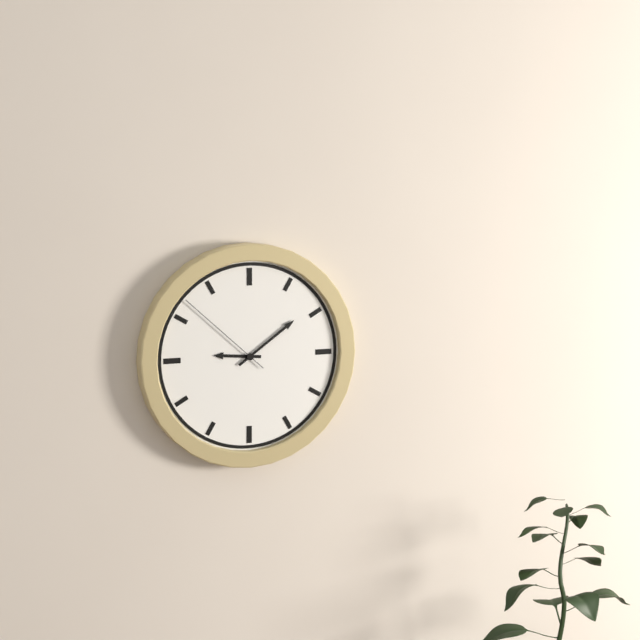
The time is 9:09:52
